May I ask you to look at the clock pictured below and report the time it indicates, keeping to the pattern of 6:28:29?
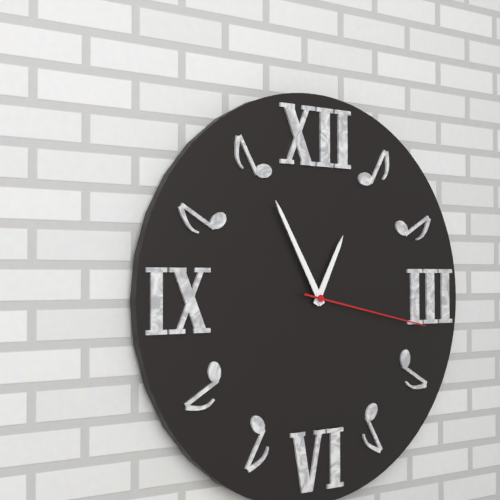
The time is 12:55:17
